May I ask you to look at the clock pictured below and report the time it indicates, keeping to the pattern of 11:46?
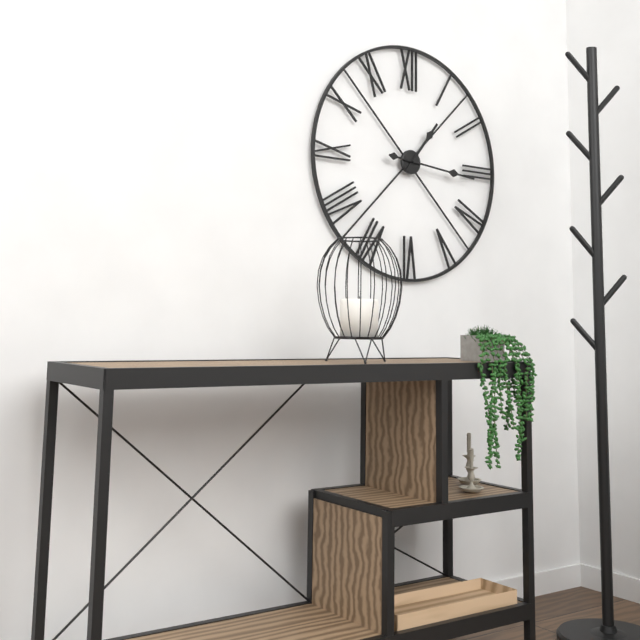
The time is 1:16
